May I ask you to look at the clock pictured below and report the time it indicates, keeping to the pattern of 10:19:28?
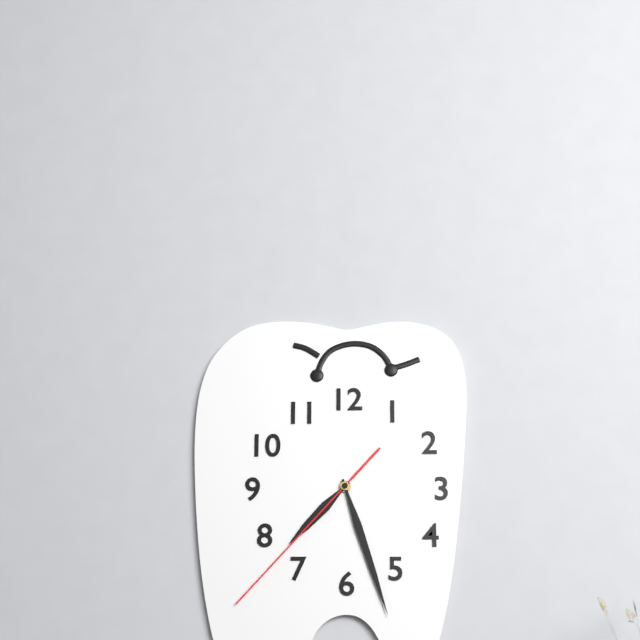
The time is 7:27:37
